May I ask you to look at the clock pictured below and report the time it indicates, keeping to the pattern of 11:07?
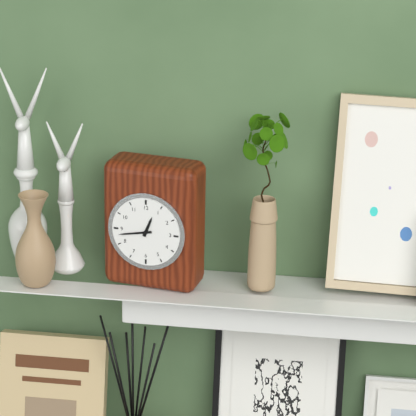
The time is 12:43
